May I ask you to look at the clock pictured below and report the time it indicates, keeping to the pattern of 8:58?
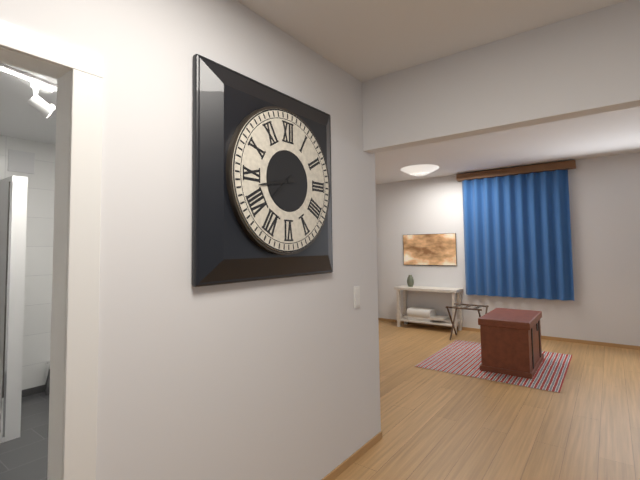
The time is 7:43
